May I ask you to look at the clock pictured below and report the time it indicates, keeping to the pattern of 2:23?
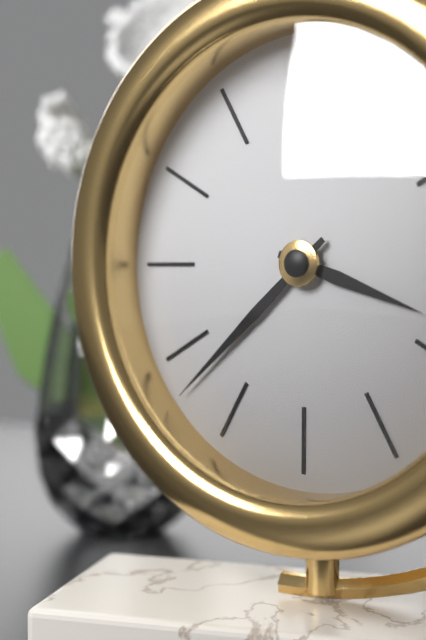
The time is 3:38
